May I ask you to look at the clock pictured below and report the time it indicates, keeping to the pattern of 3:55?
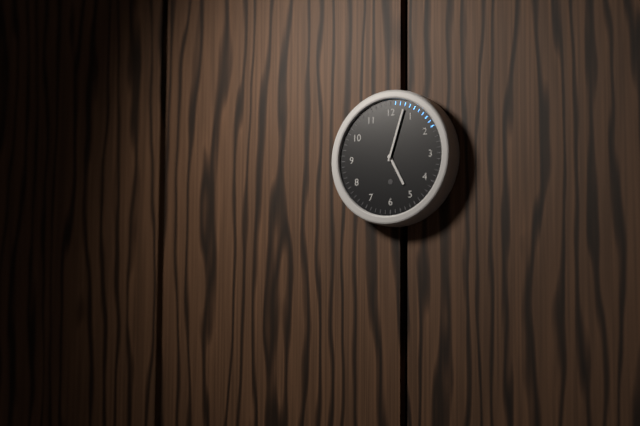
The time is 5:03
